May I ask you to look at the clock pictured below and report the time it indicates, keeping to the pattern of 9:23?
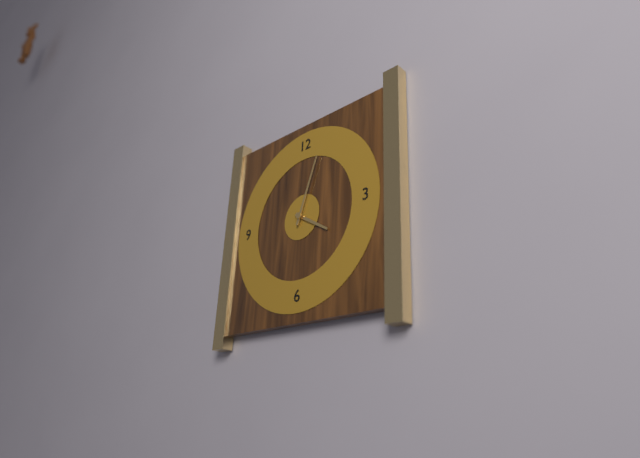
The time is 4:03
